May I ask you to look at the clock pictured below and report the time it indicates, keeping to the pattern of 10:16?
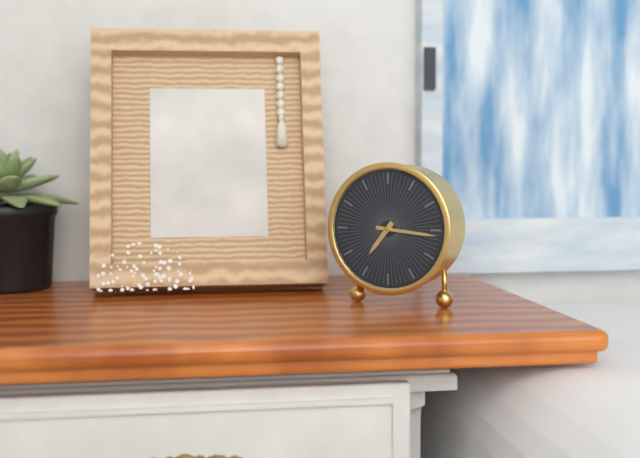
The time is 7:16
